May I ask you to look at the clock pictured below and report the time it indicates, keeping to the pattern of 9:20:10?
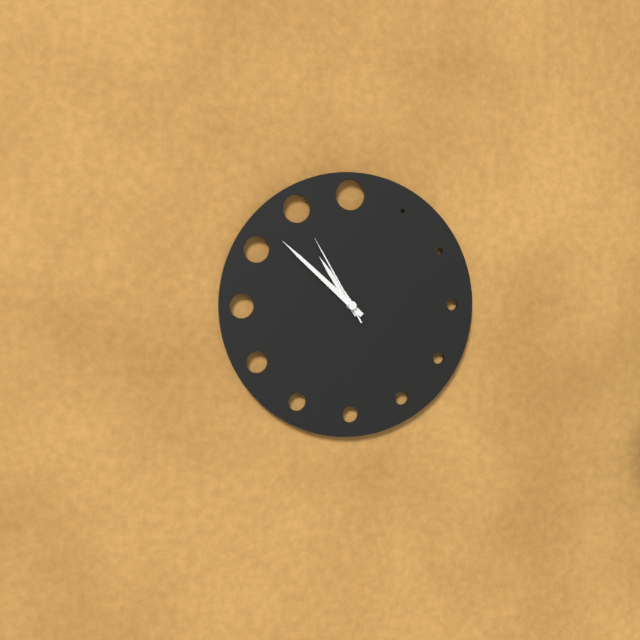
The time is 10:52:55
